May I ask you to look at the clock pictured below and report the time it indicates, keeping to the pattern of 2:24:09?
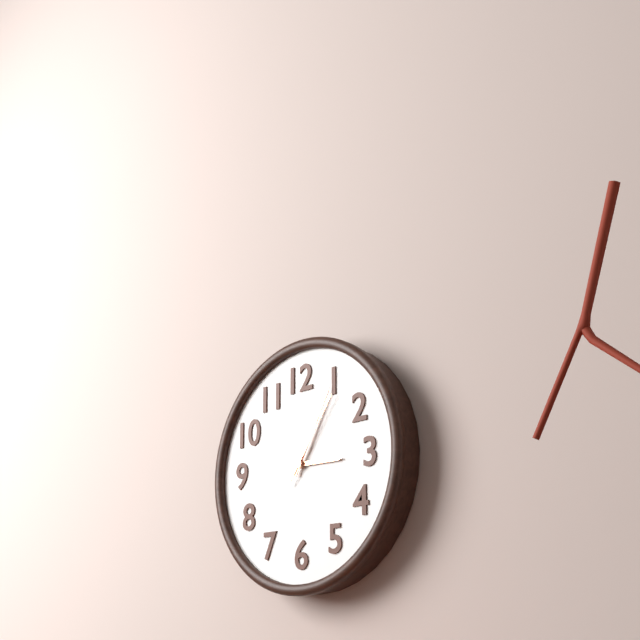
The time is 3:05:06
